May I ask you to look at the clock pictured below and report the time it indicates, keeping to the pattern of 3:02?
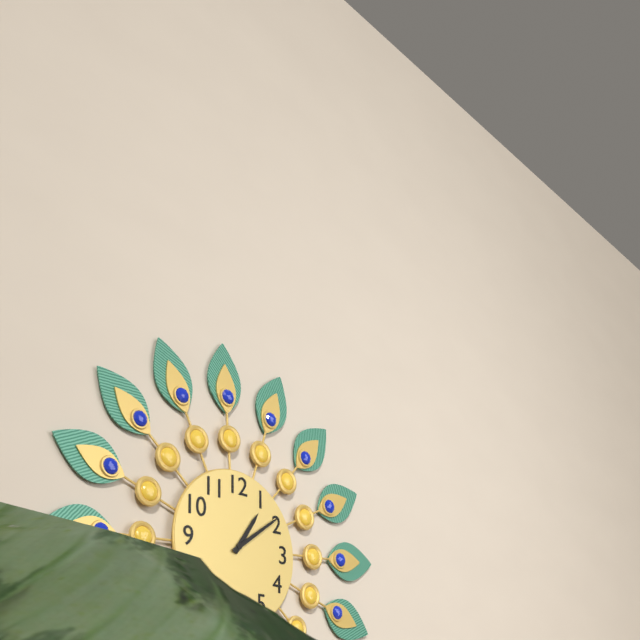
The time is 1:09
